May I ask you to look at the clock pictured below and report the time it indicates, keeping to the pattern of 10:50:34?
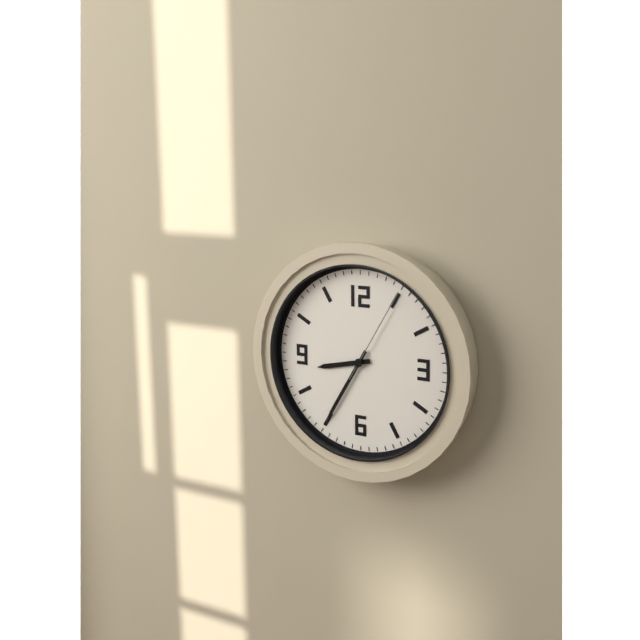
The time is 8:35:05
